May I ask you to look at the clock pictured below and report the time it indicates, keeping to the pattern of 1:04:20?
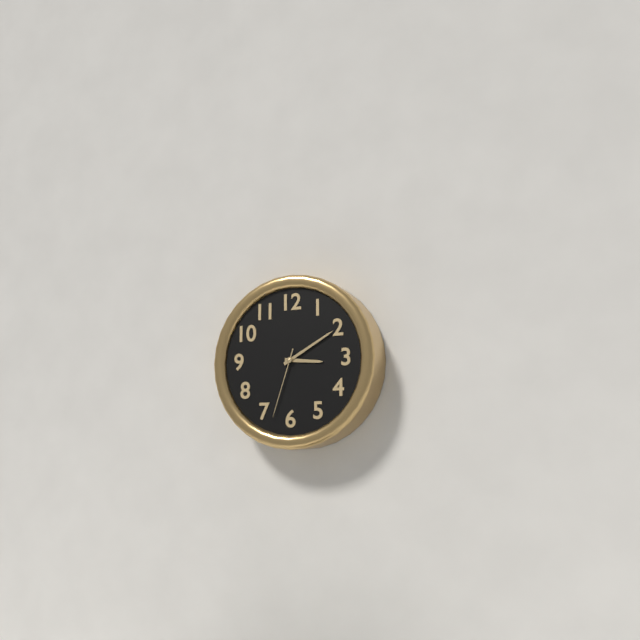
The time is 3:10:33
